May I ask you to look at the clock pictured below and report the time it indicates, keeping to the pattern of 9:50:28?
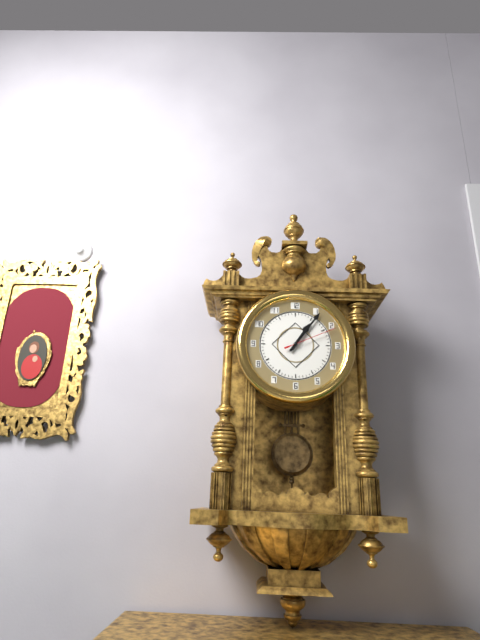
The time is 1:06:11
